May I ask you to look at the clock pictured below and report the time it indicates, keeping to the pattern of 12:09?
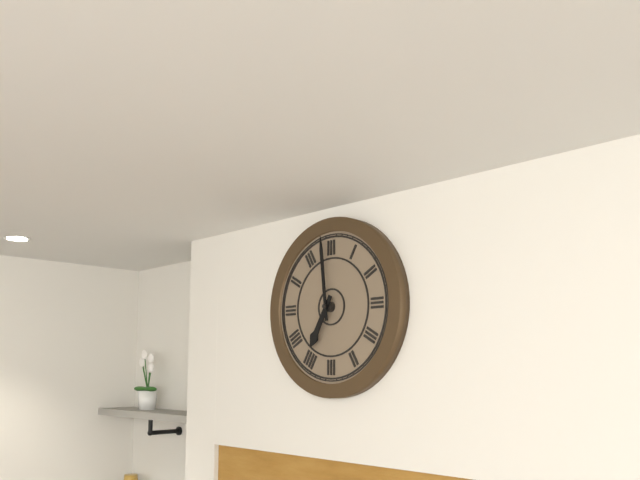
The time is 6:59
